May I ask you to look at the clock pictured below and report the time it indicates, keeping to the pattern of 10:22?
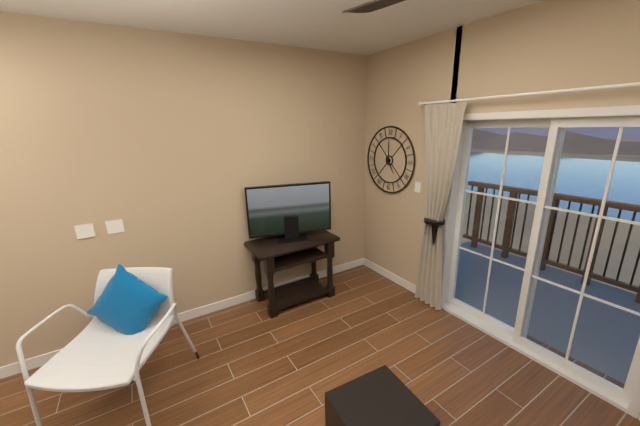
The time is 5:00
